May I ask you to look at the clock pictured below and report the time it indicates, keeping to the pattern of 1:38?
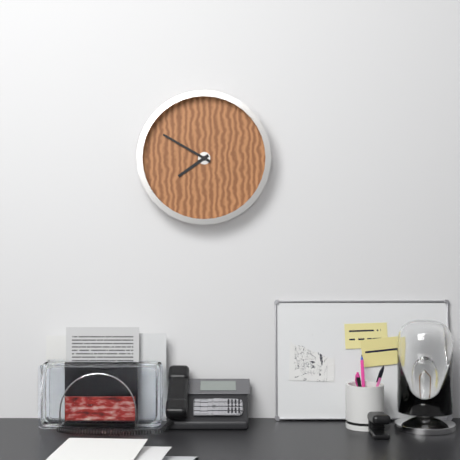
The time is 7:50
